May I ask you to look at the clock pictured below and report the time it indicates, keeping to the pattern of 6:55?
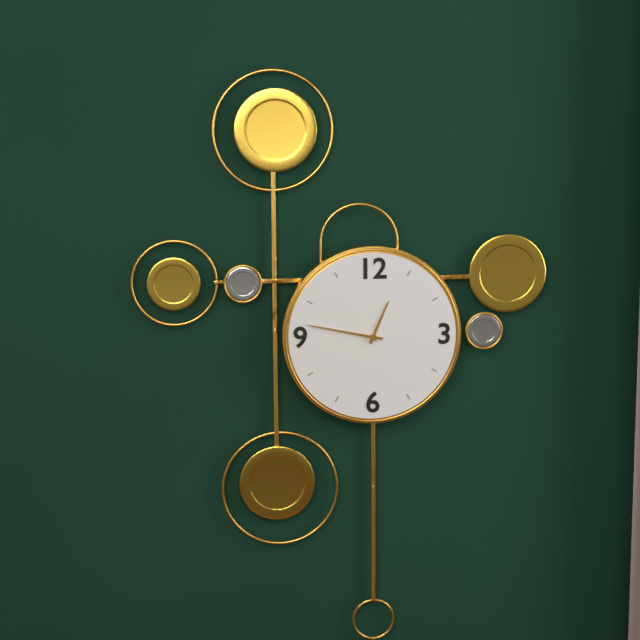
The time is 12:47
